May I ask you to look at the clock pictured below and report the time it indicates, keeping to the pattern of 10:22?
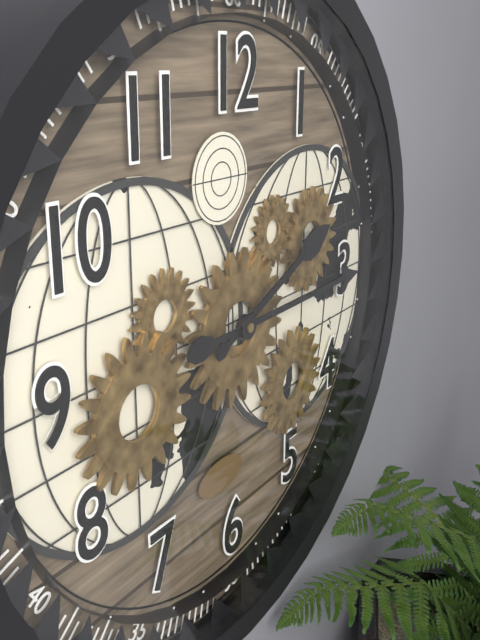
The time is 2:15
